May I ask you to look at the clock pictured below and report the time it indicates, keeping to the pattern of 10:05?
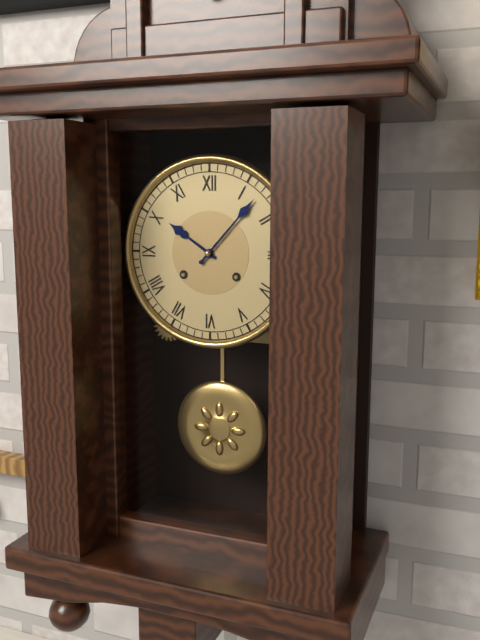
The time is 10:07
